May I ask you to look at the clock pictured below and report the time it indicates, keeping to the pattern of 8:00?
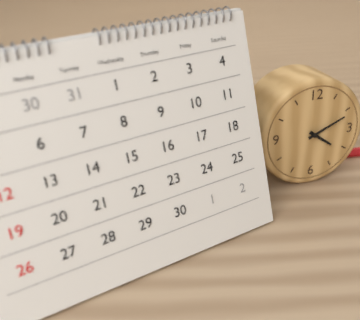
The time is 4:11
